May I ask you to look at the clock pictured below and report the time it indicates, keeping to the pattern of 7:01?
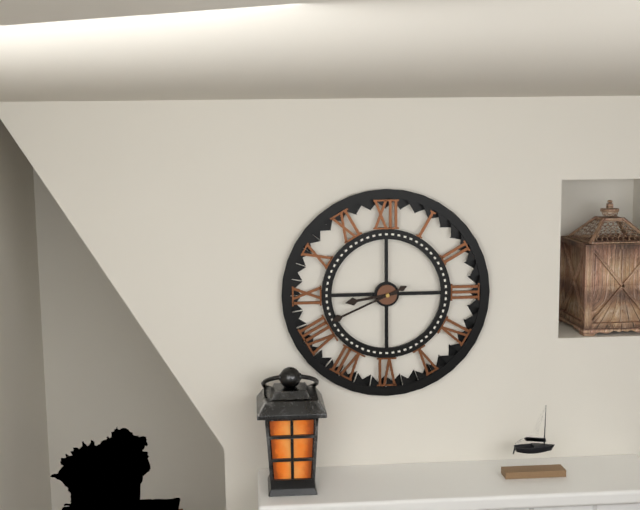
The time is 8:41
